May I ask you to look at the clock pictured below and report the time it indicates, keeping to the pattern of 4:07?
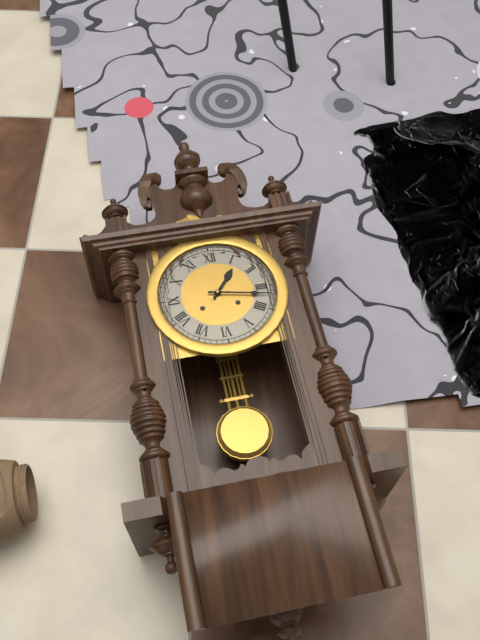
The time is 1:17
